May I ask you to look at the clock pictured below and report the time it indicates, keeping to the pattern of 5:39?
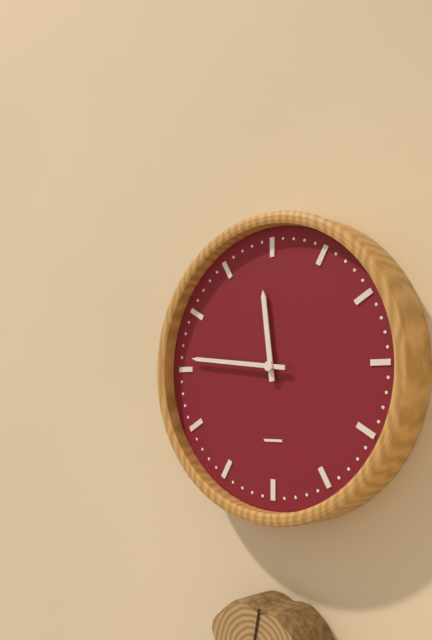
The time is 11:46
